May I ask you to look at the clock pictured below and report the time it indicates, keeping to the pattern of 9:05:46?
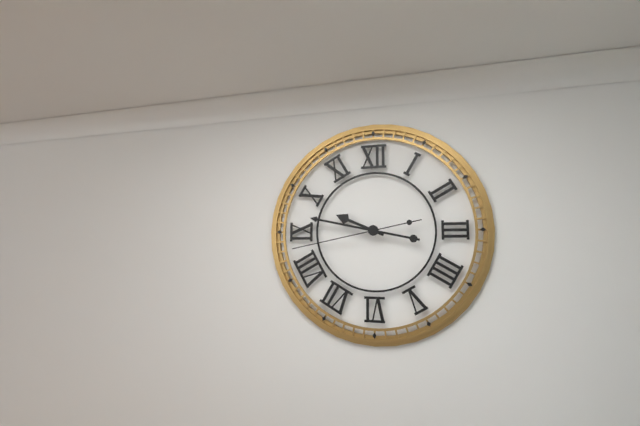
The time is 9:47:43
